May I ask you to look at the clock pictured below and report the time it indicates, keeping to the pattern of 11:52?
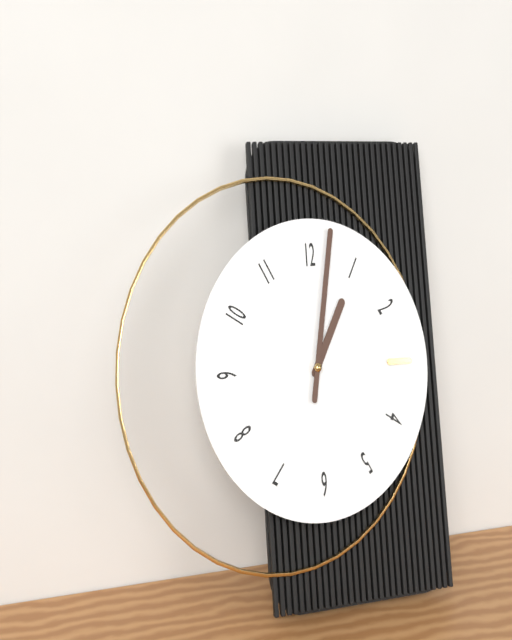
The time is 1:02
